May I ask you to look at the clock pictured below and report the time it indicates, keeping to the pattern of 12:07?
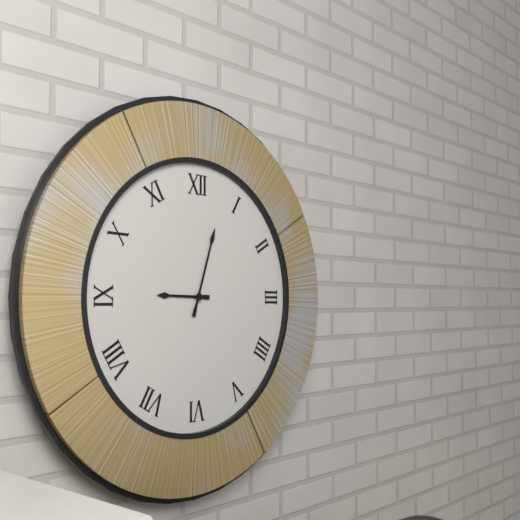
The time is 9:03
